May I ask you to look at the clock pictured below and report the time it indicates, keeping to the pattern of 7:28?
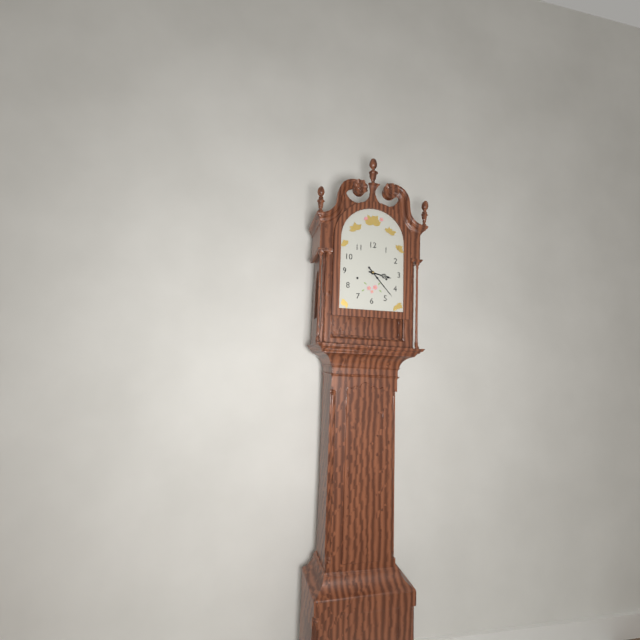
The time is 3:23
